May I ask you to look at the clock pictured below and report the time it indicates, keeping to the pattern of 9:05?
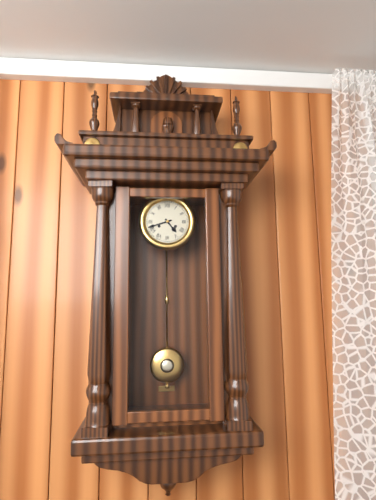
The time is 4:42
